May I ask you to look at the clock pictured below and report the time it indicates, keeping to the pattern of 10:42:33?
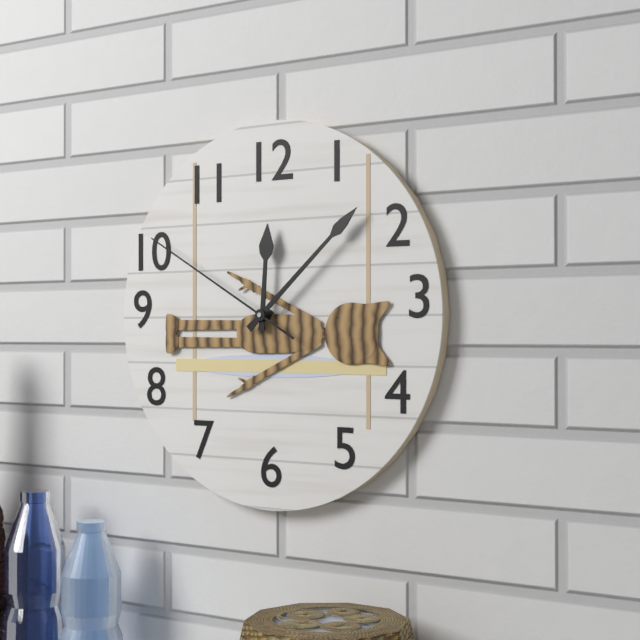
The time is 12:08:50
